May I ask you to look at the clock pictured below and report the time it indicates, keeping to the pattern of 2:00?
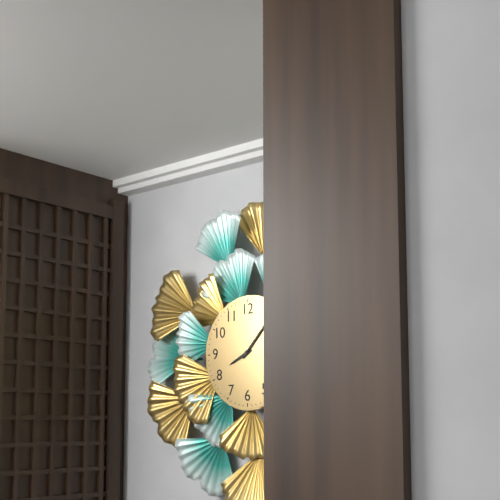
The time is 8:07
